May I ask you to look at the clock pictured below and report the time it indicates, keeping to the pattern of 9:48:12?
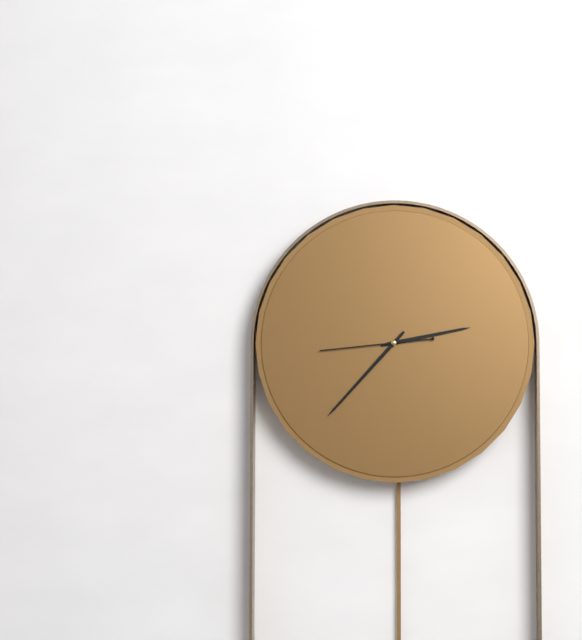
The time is 2:37:44
